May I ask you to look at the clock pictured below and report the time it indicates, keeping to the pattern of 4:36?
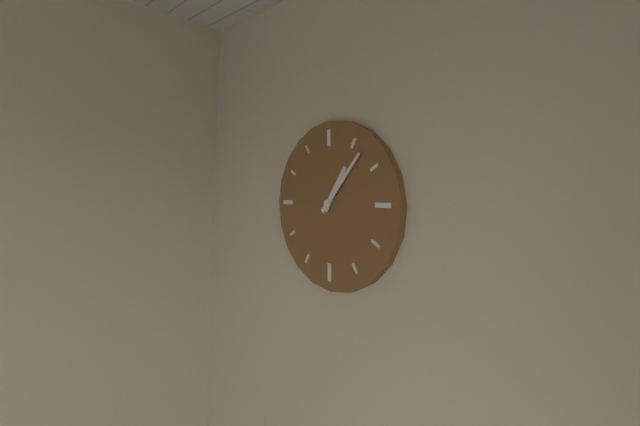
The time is 1:07
